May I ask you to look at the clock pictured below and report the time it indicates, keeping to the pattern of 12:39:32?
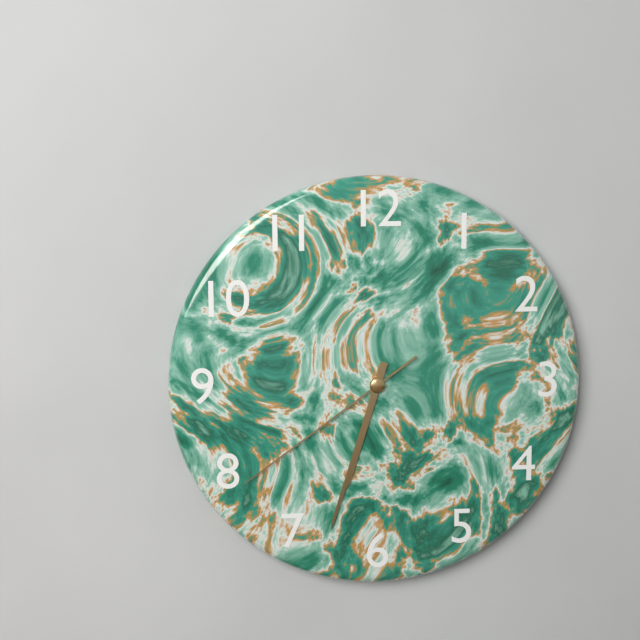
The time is 6:33:39
